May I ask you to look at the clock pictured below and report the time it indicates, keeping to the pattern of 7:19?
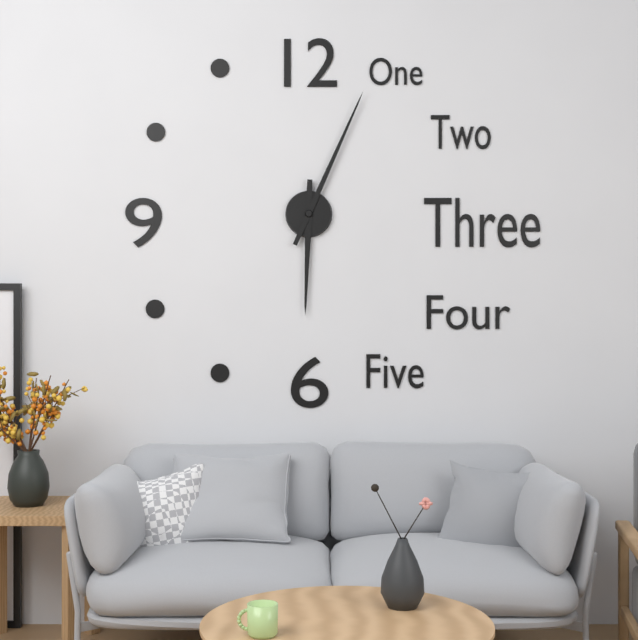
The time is 6:04
